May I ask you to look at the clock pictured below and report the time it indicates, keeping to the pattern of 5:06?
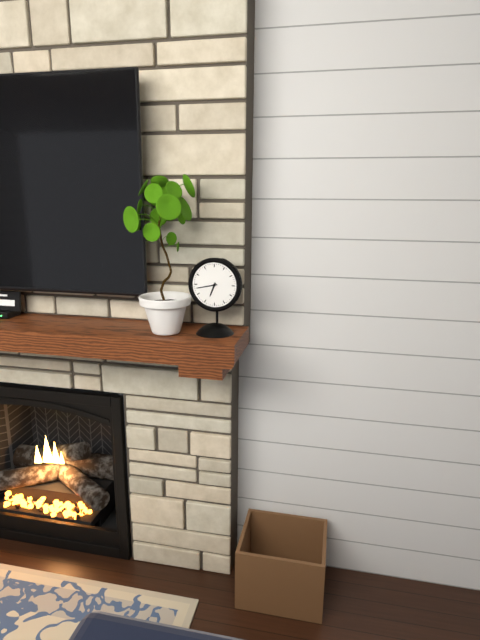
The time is 6:43
